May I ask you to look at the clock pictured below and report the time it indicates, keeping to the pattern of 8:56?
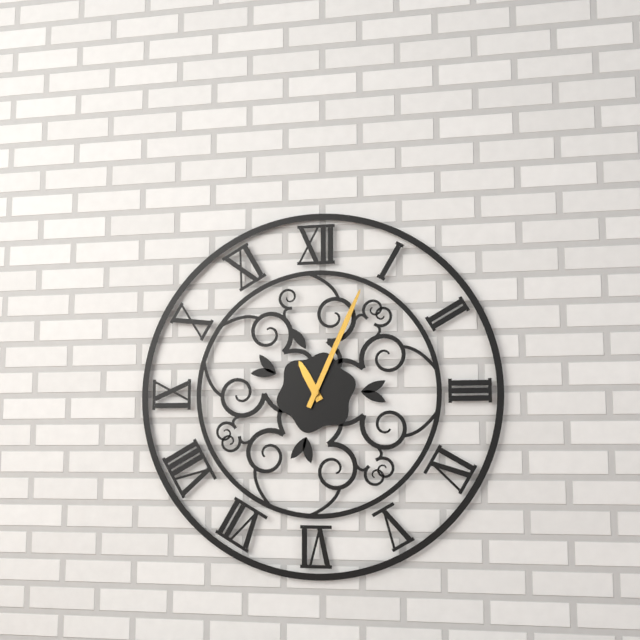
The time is 11:04
